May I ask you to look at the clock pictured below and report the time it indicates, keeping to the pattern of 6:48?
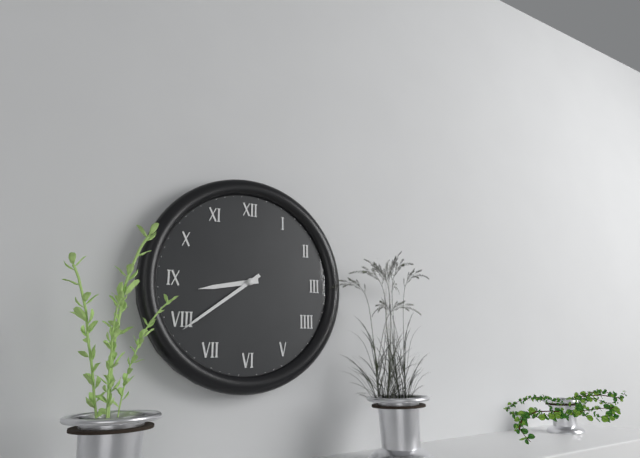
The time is 8:39
